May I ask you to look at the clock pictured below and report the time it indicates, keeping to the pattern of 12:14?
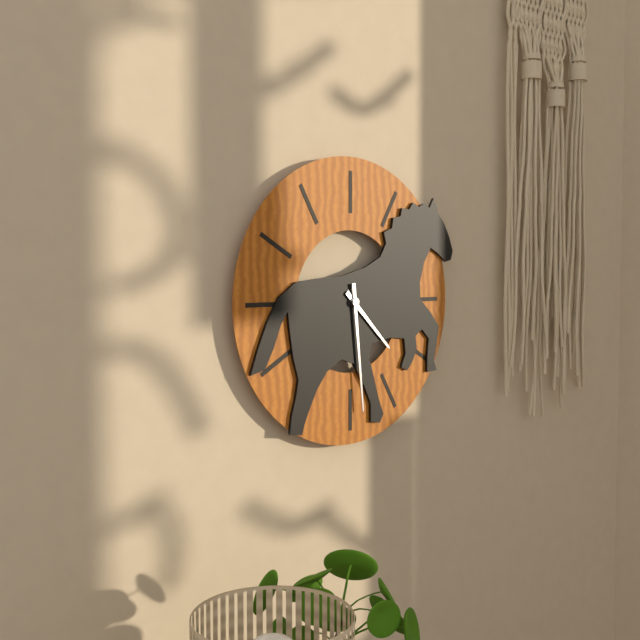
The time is 4:29
